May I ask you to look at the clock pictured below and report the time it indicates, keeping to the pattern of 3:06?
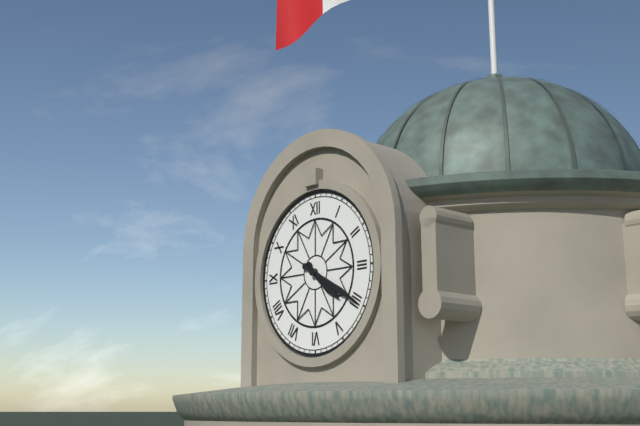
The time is 4:20
